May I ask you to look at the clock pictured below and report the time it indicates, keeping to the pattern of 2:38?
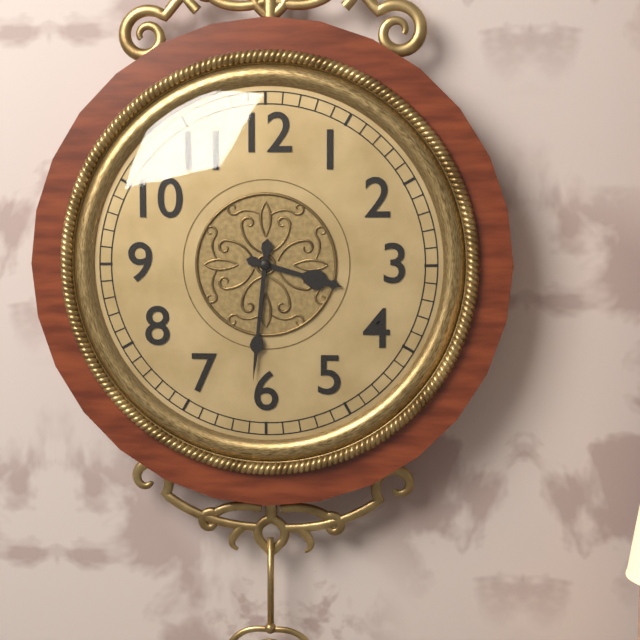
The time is 3:31
